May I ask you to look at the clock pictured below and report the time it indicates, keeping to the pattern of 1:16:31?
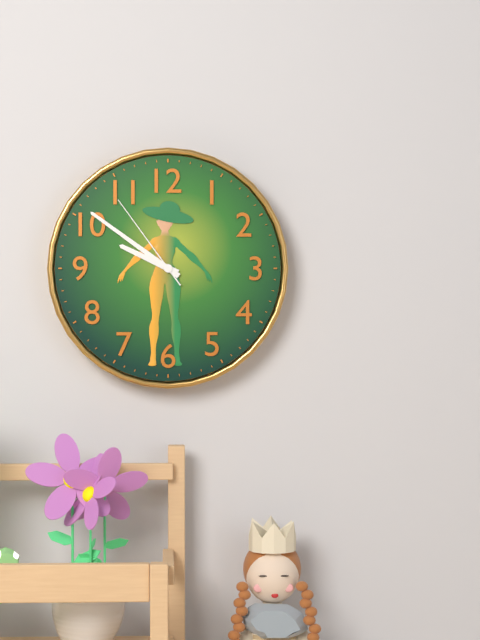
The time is 9:51:54
